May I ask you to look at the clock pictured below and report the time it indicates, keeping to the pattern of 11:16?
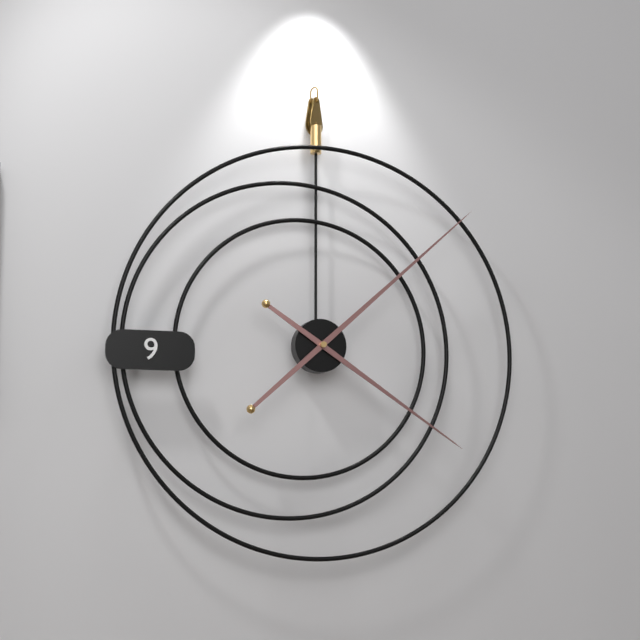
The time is 4:08
